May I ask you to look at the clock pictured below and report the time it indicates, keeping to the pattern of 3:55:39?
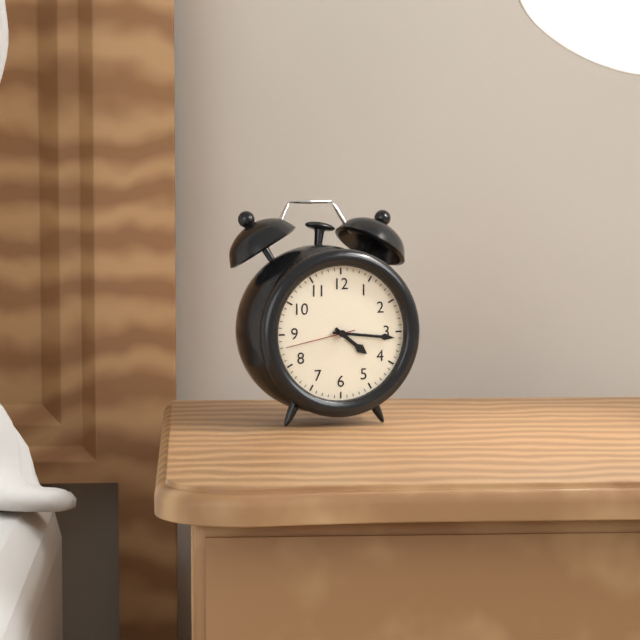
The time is 4:16:43
